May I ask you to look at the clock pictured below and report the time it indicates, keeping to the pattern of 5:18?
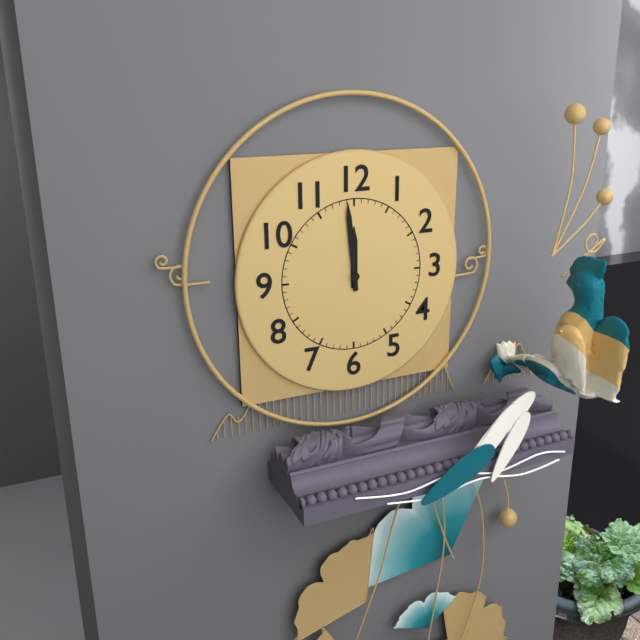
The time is 11:59
